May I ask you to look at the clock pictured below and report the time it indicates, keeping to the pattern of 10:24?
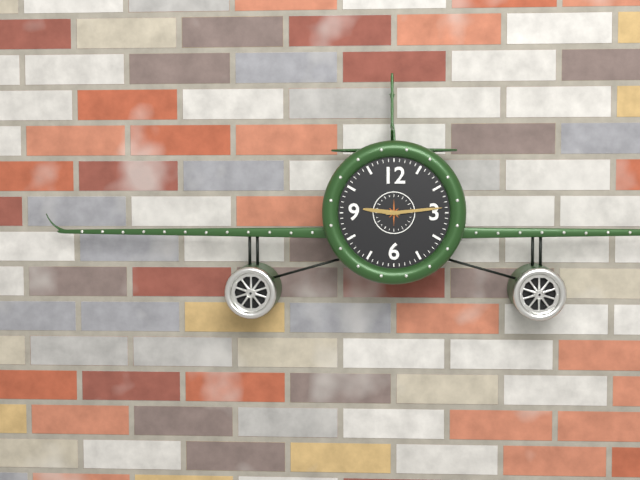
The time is 9:14
